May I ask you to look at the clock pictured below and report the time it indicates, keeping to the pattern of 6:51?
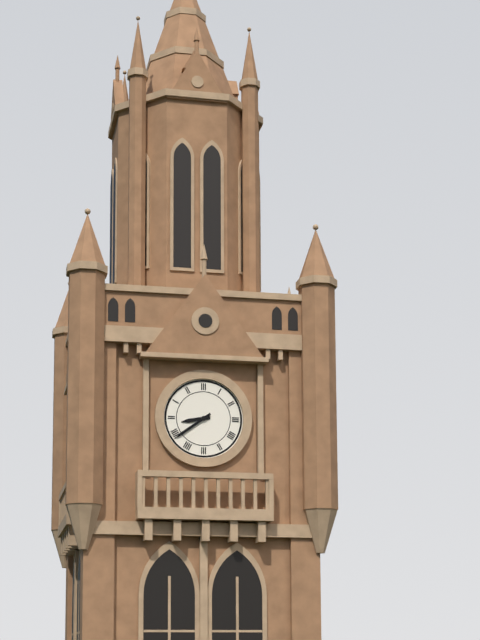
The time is 8:39
